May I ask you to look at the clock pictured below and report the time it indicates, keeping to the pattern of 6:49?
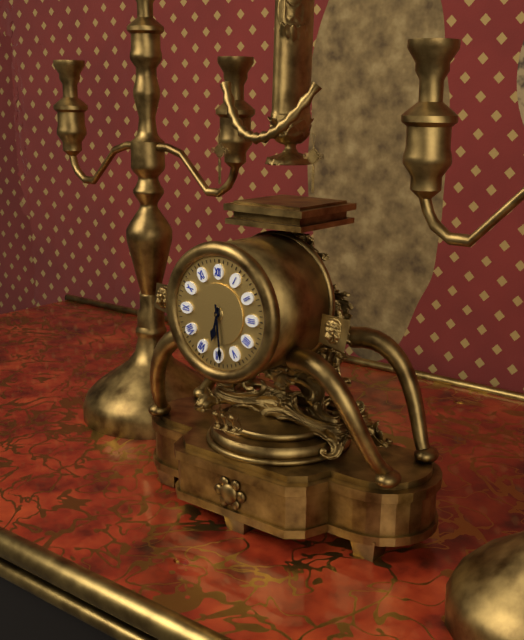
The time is 6:29
